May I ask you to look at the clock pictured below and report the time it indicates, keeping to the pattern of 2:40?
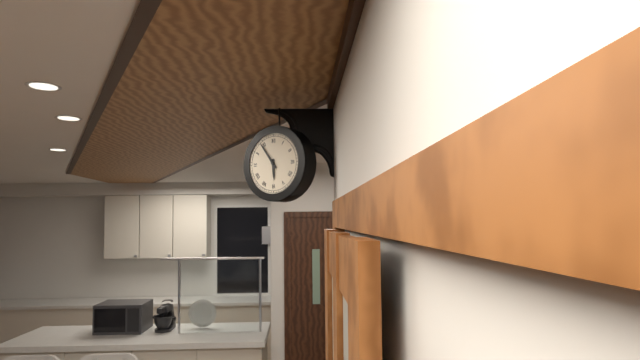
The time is 5:54
